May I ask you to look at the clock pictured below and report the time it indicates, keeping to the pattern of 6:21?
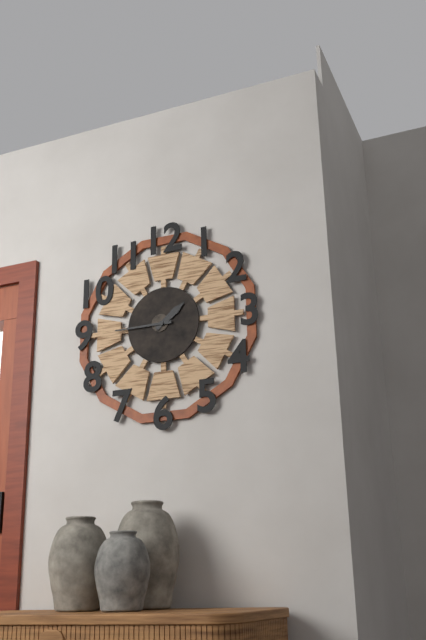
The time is 1:45
